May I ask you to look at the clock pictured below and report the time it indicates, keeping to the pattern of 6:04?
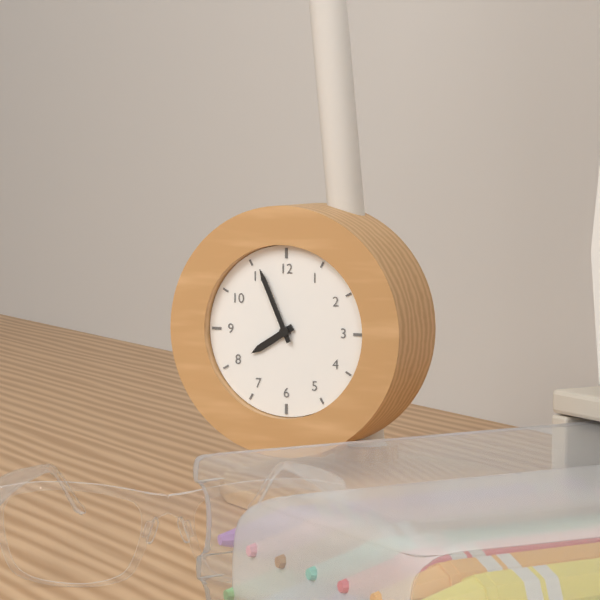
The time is 7:56
